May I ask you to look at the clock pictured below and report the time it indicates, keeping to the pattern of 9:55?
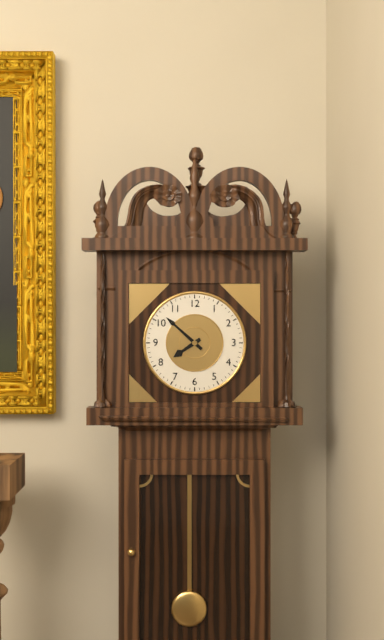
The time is 7:52
